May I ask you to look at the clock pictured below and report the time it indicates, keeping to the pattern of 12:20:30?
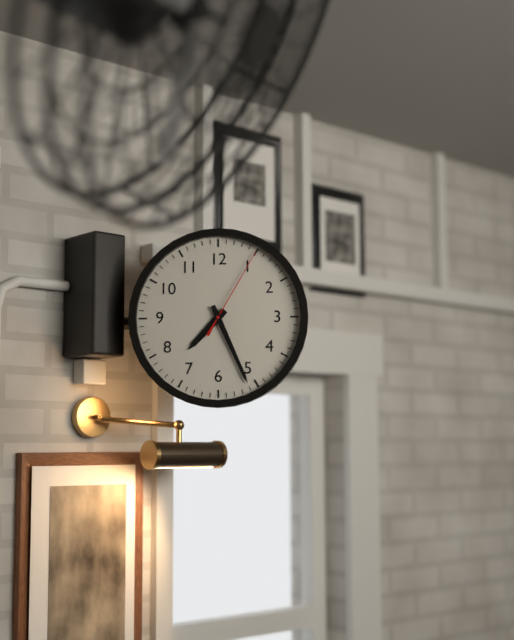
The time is 7:26:05
